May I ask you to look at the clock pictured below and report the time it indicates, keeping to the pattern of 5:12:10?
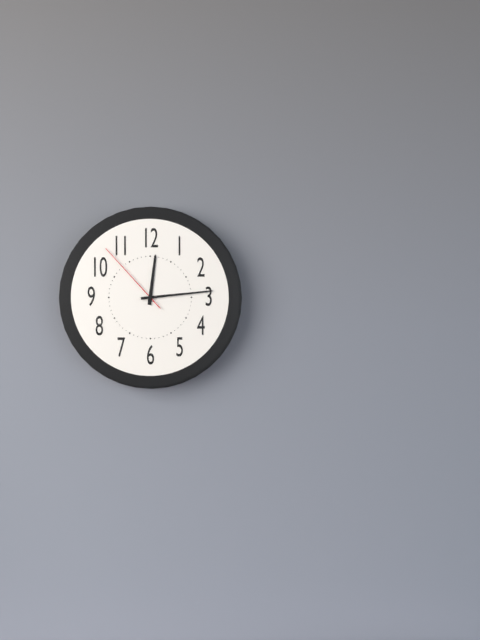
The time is 12:14:53
